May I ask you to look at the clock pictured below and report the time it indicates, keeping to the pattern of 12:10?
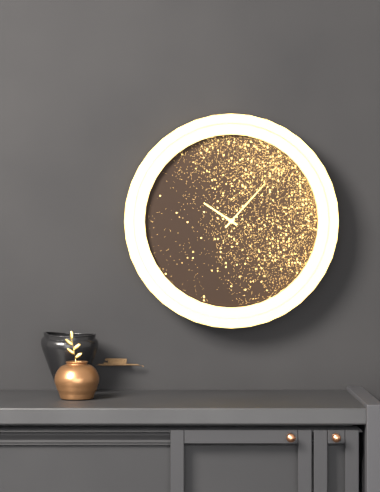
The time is 10:07
